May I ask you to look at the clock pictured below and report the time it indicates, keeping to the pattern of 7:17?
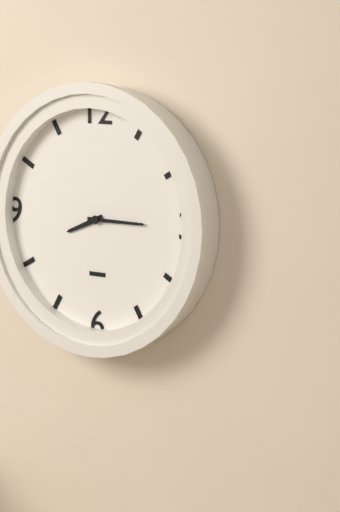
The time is 8:15
